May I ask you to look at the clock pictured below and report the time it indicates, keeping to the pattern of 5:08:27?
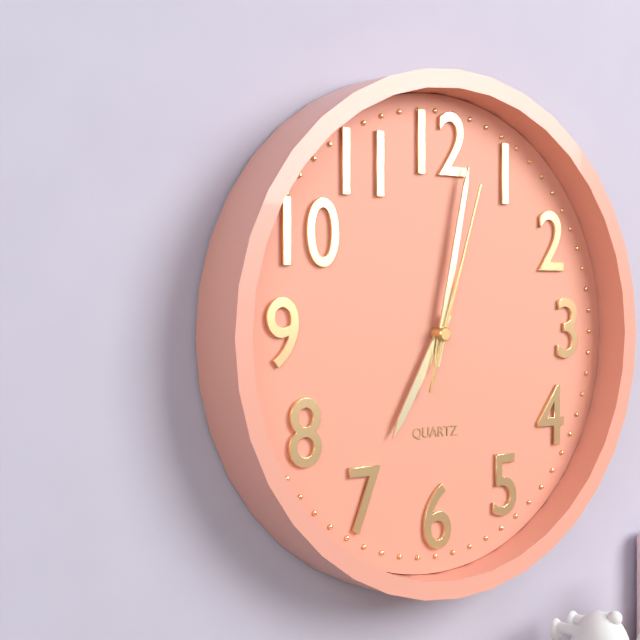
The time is 7:02:03
